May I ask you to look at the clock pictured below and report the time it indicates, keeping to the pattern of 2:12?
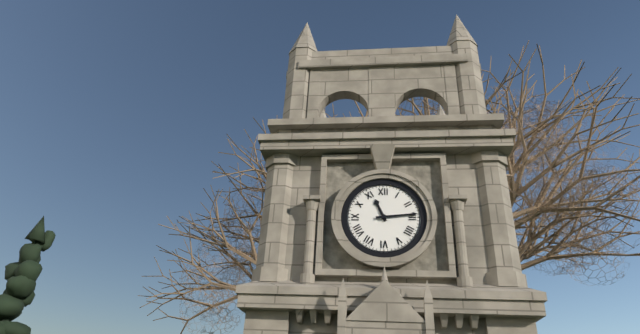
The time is 11:14
